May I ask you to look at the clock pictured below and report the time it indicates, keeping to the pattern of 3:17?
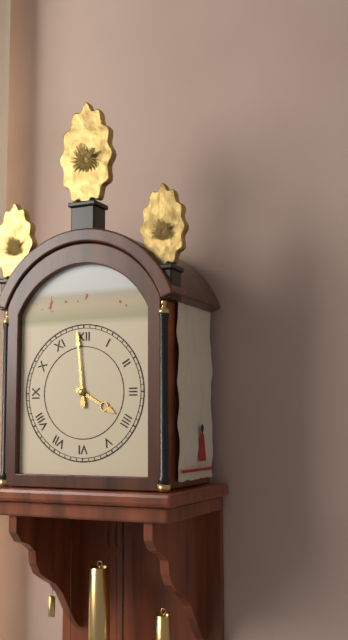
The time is 3:59
